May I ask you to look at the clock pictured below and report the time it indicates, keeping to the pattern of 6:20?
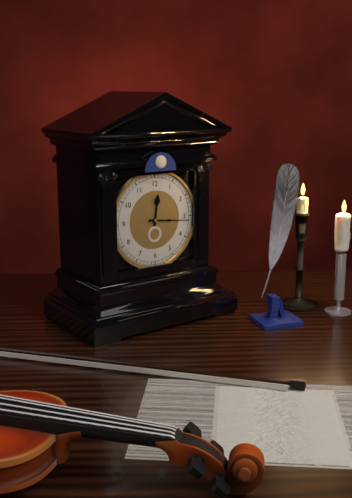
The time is 12:16
